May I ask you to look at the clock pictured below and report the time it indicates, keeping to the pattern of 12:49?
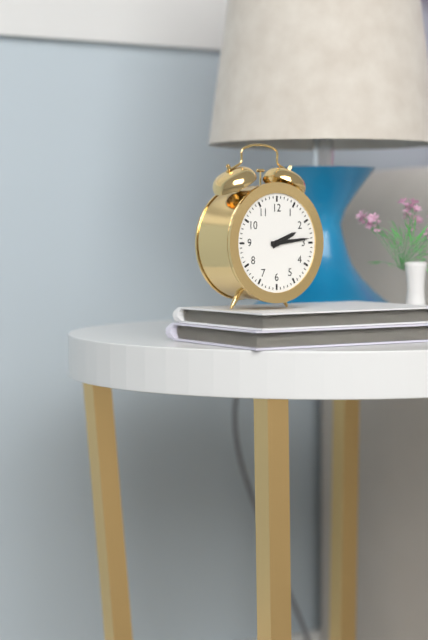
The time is 2:14
